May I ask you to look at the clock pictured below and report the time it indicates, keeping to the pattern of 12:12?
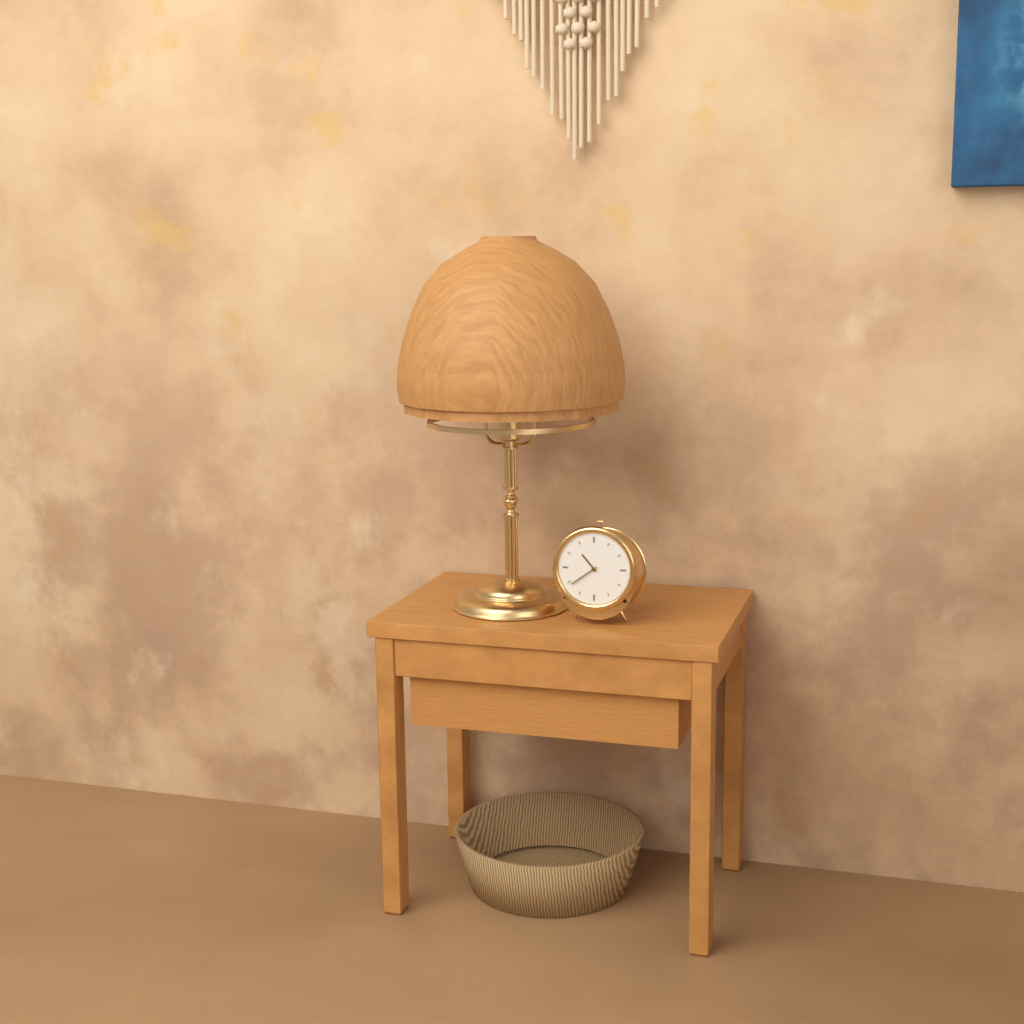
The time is 10:39
